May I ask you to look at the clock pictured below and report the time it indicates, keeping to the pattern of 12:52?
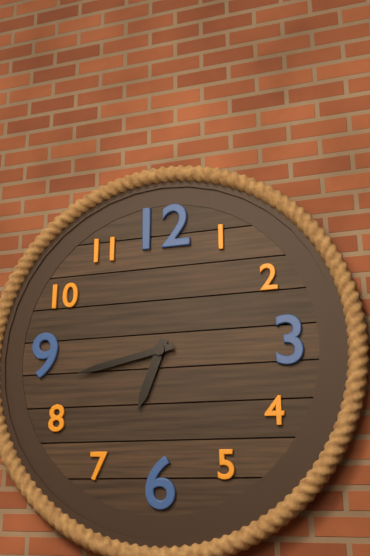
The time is 6:43
